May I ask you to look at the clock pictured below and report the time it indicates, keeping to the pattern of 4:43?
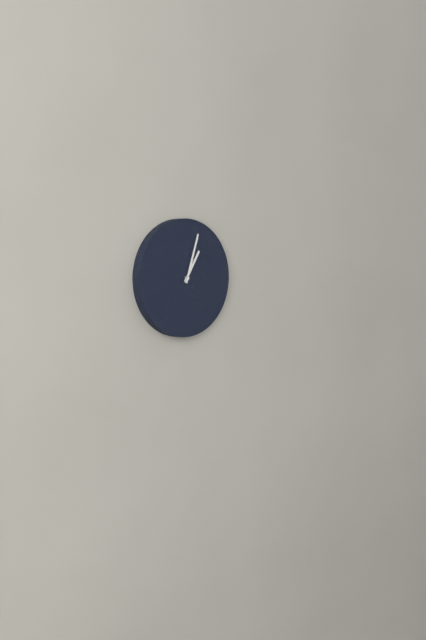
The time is 1:03
